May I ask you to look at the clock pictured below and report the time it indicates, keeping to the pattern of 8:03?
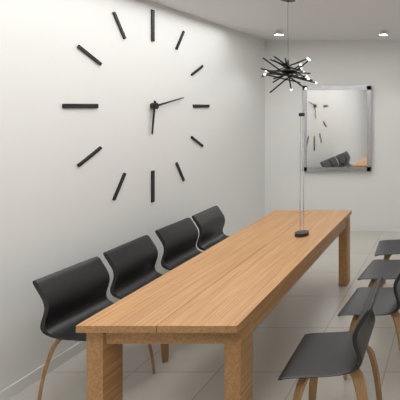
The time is 6:13
